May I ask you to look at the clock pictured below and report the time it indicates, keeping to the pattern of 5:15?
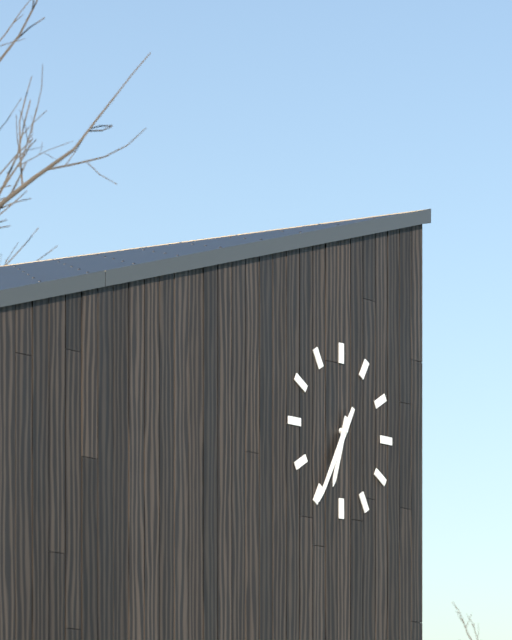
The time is 6:35
